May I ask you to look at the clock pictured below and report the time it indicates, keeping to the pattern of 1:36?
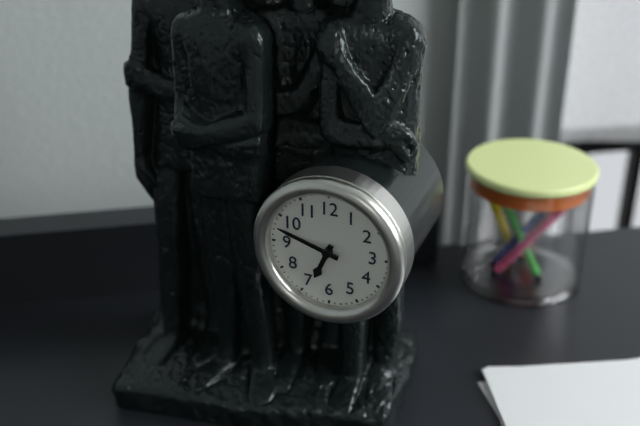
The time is 6:48
